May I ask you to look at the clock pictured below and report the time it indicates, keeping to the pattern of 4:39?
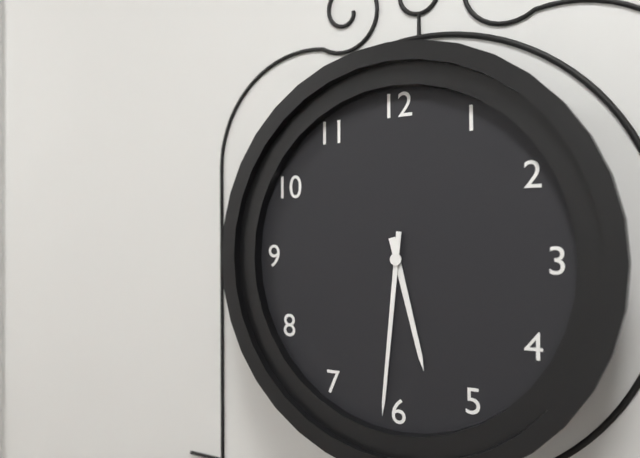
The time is 5:31
